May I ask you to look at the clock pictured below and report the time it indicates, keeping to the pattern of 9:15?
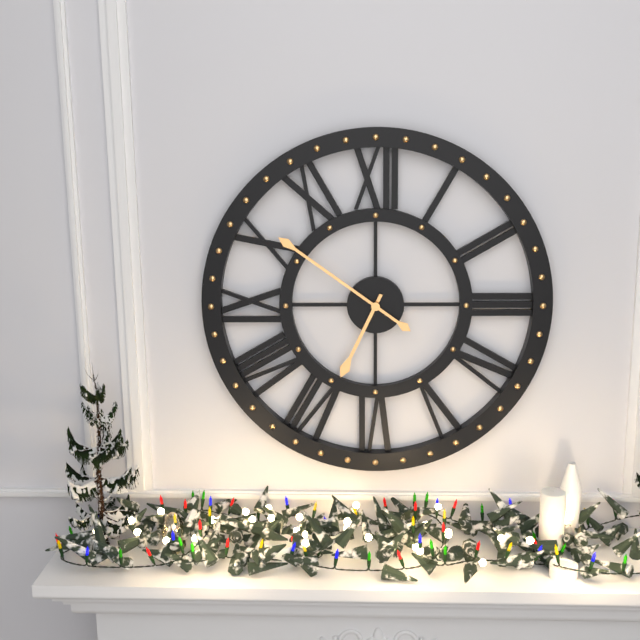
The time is 6:51
